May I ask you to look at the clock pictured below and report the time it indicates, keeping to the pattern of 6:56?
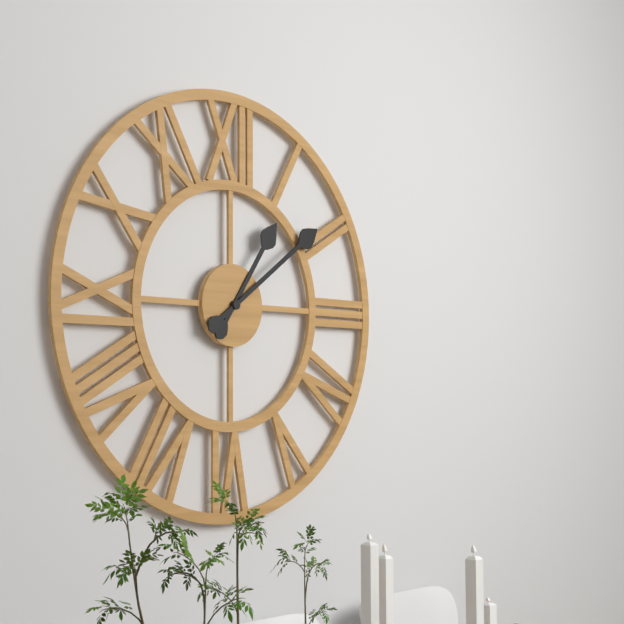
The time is 1:09
